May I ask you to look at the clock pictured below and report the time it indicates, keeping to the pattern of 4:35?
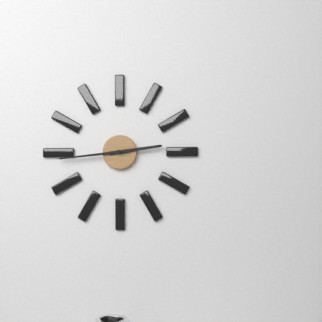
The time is 2:44
